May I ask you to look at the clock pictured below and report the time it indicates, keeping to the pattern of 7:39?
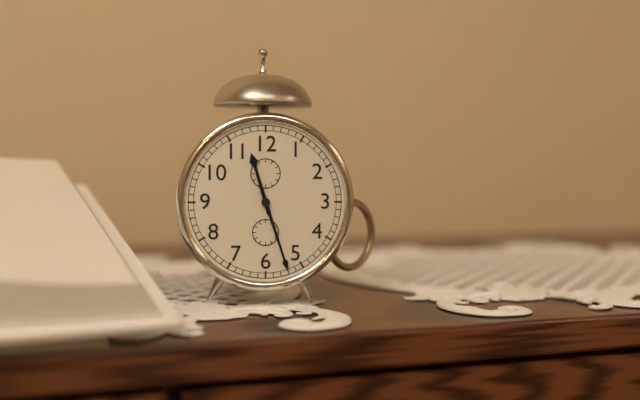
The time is 11:27
